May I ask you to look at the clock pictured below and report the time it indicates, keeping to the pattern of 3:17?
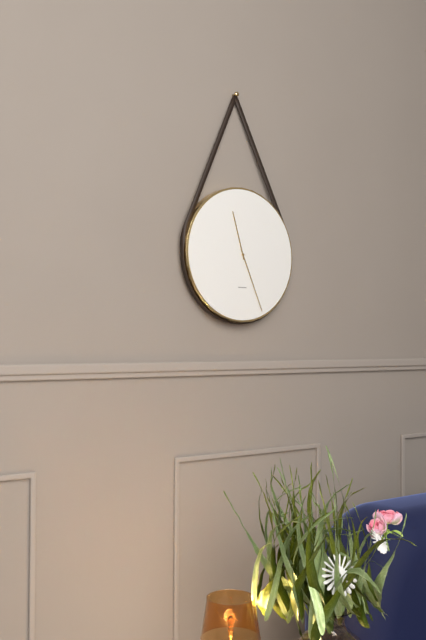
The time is 11:26
